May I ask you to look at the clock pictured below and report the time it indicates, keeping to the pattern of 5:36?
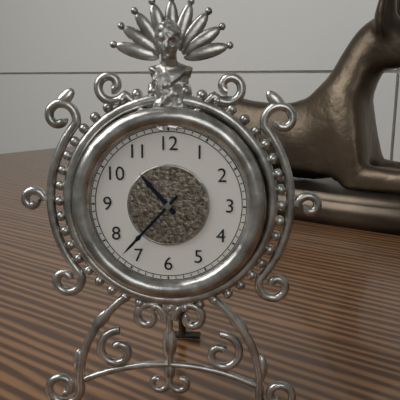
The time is 10:37
